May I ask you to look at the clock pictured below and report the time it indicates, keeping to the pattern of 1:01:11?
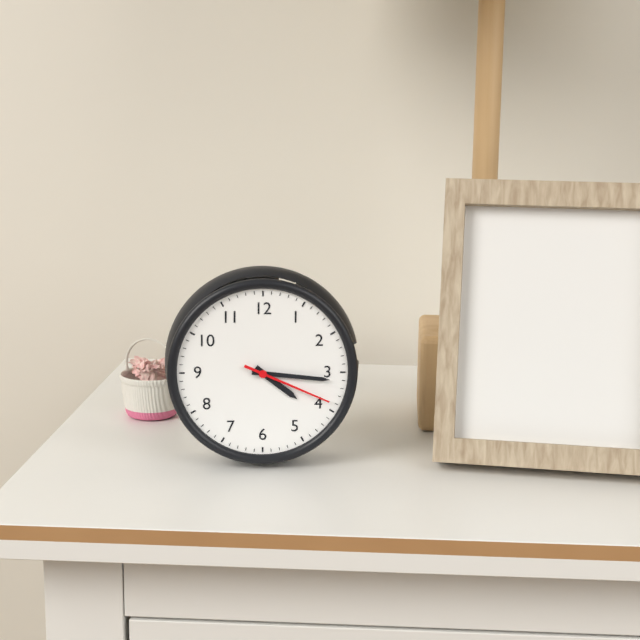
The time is 4:16:19
